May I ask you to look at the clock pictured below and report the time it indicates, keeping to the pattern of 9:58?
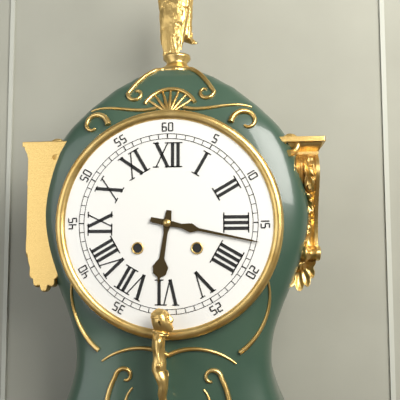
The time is 6:17
